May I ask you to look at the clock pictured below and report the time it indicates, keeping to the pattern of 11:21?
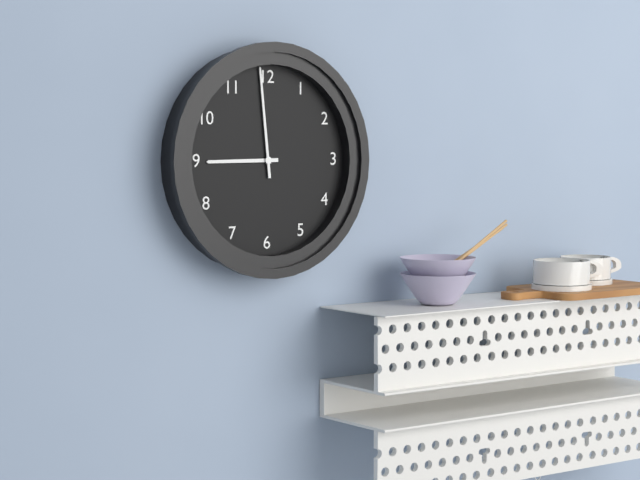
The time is 8:59
